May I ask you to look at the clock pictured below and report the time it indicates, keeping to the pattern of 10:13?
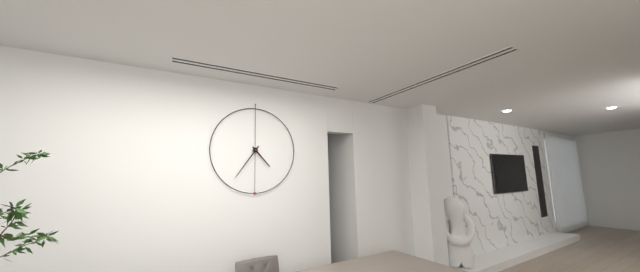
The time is 4:36
